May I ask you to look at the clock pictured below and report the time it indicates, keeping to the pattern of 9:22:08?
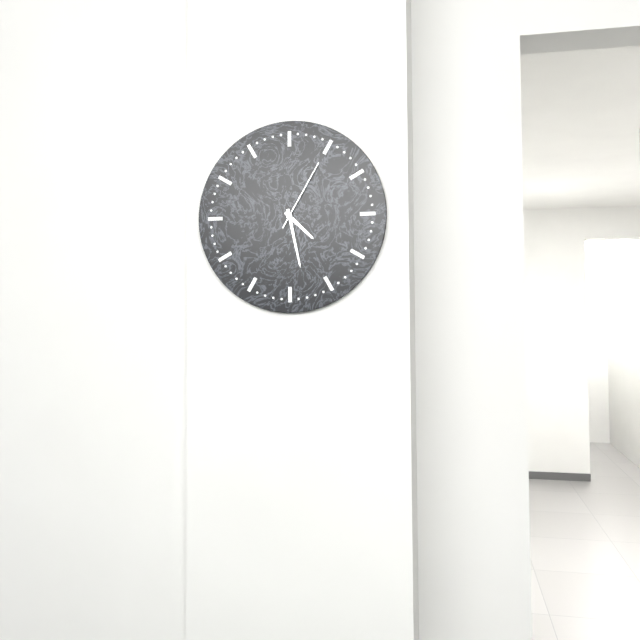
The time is 4:28:05
